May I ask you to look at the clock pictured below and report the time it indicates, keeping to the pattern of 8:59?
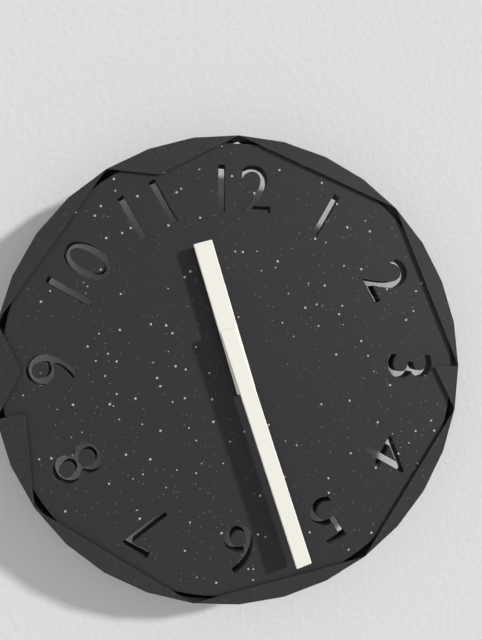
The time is 11:27
